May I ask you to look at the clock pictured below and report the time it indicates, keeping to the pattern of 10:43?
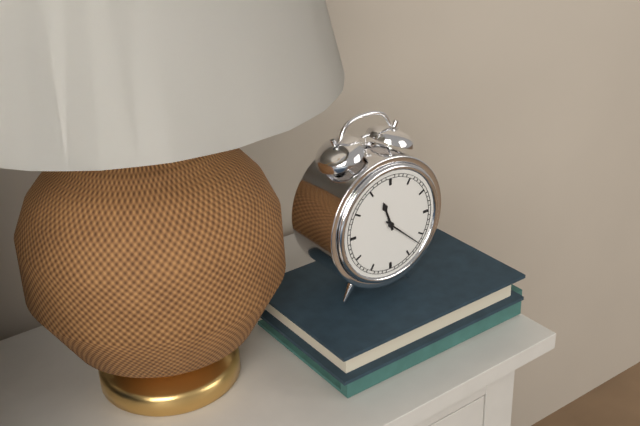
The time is 11:22
